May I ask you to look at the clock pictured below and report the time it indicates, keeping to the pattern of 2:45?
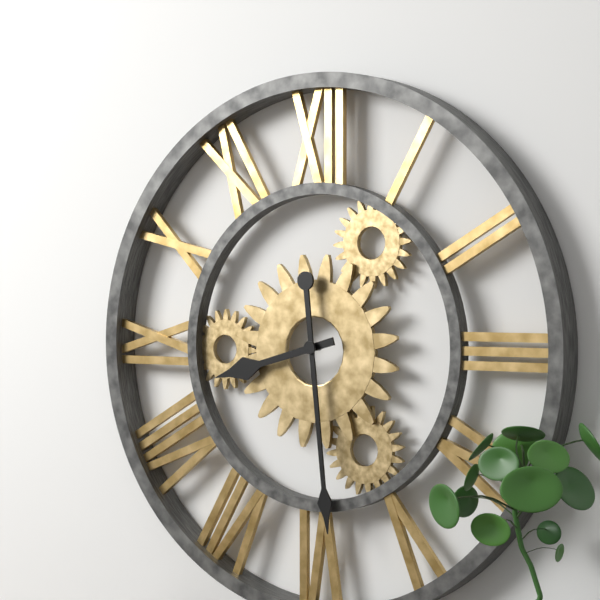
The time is 8:29
